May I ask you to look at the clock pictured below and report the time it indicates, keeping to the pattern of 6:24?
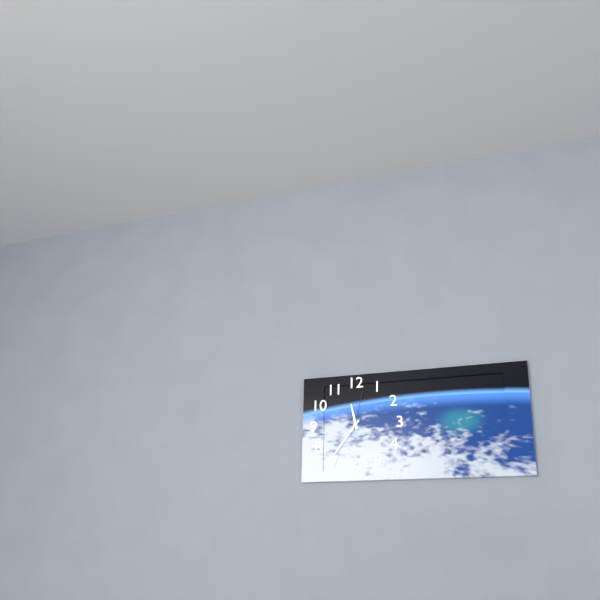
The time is 11:36
